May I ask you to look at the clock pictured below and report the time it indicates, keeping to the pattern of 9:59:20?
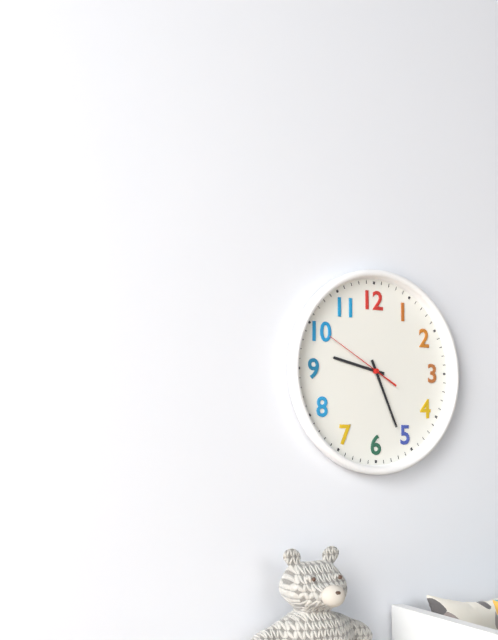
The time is 9:26:50
